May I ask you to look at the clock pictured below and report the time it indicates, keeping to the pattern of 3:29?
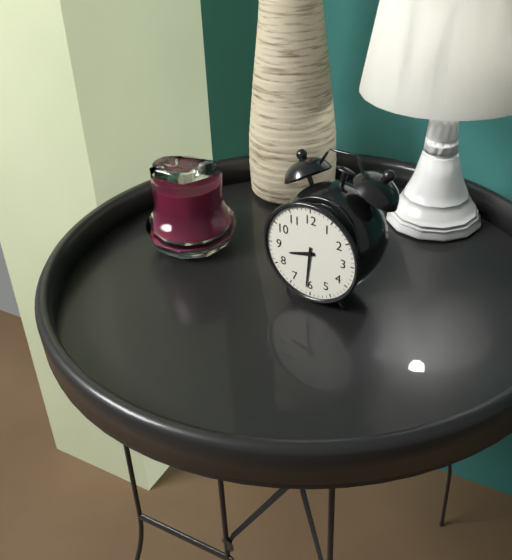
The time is 8:31
